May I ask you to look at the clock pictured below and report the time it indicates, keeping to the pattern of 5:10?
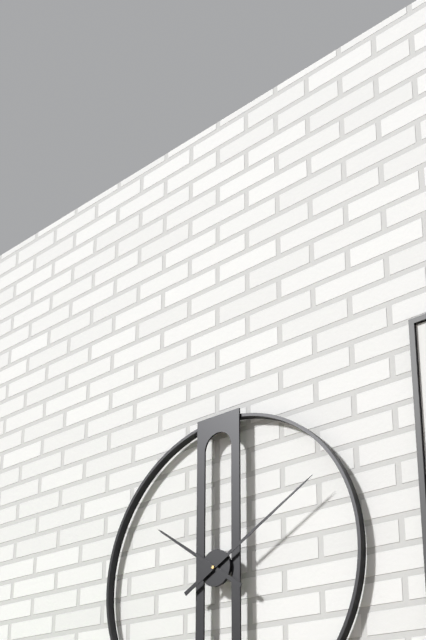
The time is 10:10
